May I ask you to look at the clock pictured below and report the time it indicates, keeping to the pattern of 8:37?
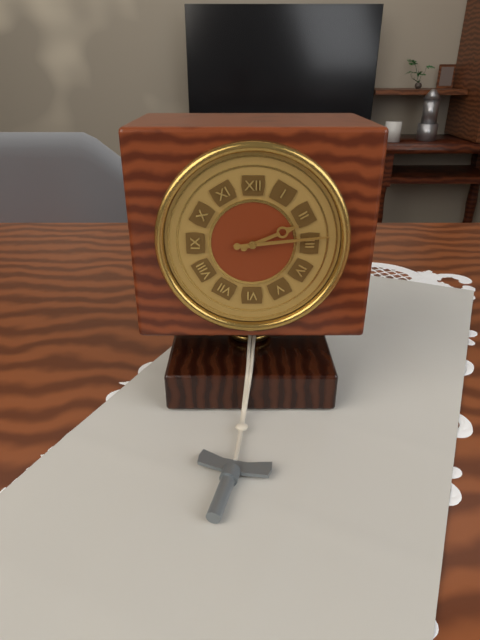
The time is 2:14
